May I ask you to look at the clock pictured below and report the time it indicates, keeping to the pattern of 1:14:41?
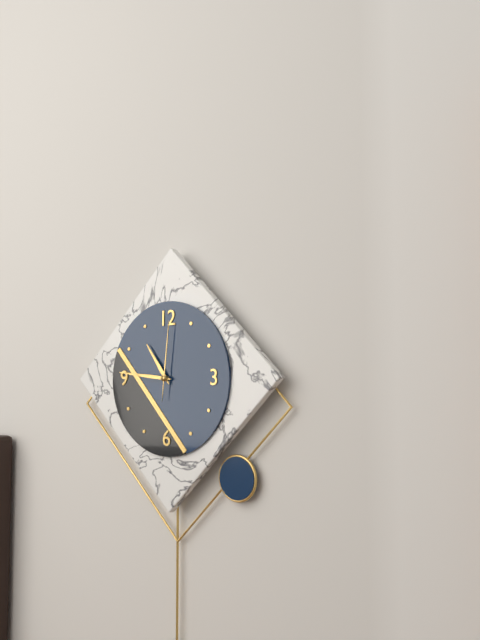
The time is 10:46:01
